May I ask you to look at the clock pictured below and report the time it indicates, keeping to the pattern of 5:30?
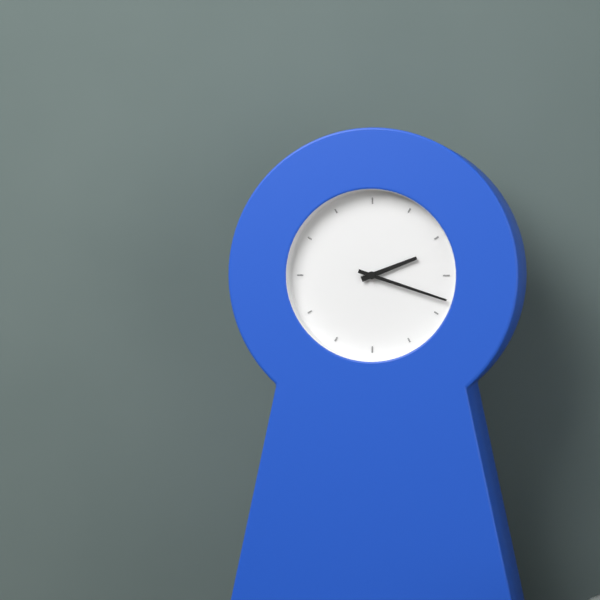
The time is 2:18
